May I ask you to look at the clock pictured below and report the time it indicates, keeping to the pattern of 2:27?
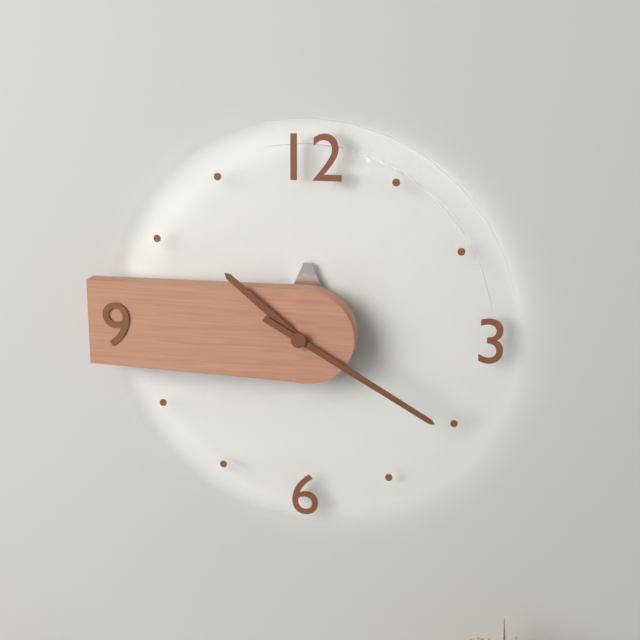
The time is 10:20
